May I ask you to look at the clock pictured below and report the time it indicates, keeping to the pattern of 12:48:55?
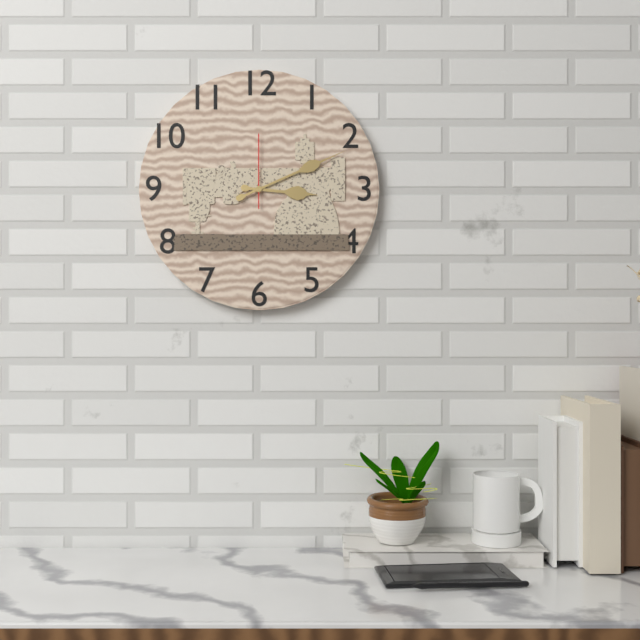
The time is 3:11:00
